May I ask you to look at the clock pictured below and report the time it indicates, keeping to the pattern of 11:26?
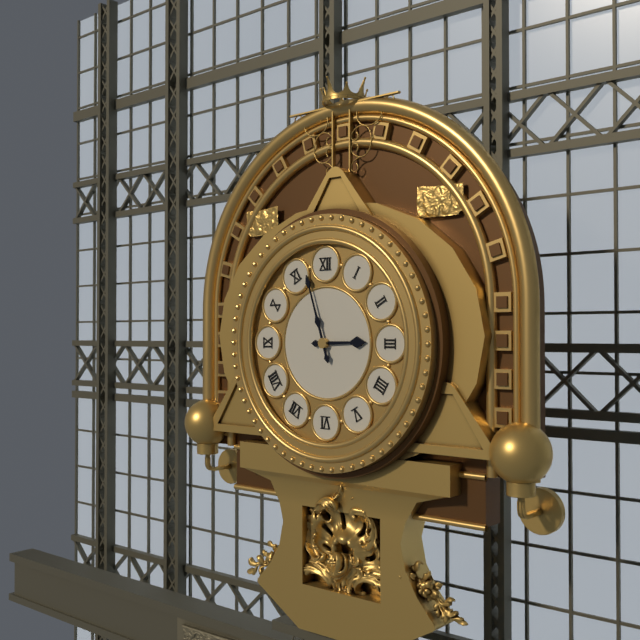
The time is 2:57
